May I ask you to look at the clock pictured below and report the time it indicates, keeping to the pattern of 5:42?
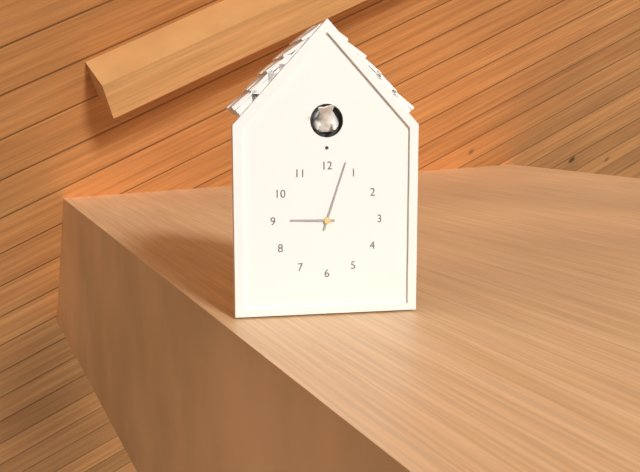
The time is 9:03
